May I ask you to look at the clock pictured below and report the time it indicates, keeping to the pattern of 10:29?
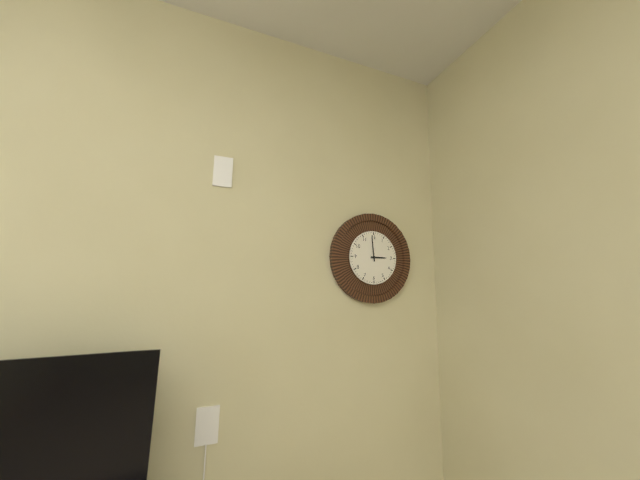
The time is 2:59
